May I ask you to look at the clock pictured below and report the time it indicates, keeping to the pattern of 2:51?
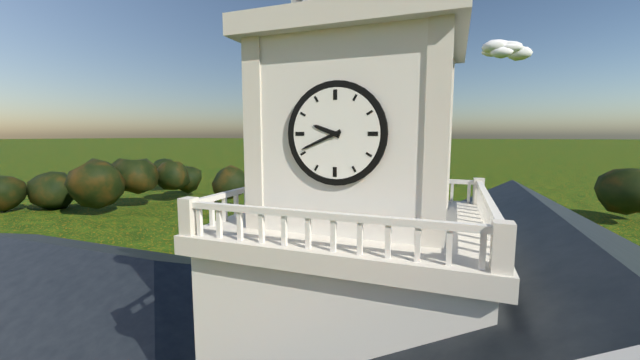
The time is 9:41
